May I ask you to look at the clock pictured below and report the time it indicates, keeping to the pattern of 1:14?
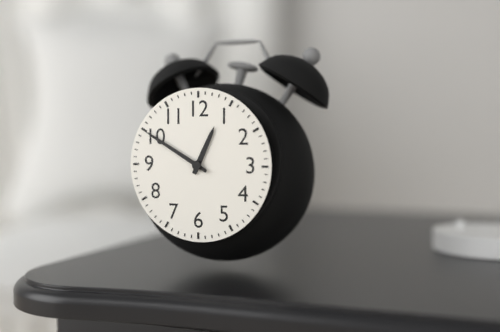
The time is 12:50
